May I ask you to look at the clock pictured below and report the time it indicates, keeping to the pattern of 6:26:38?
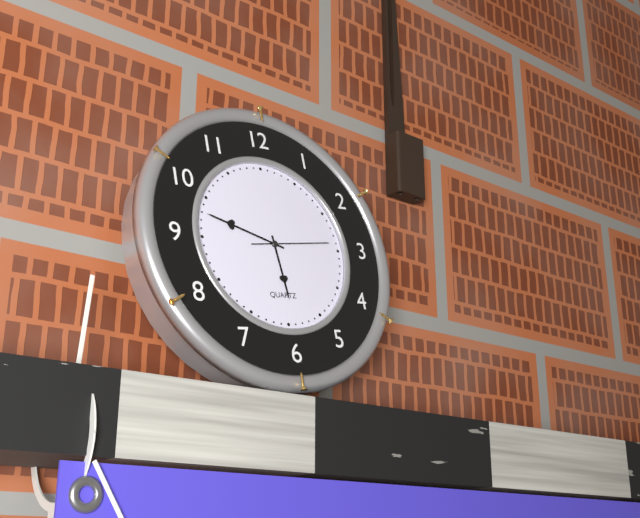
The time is 5:48:14
